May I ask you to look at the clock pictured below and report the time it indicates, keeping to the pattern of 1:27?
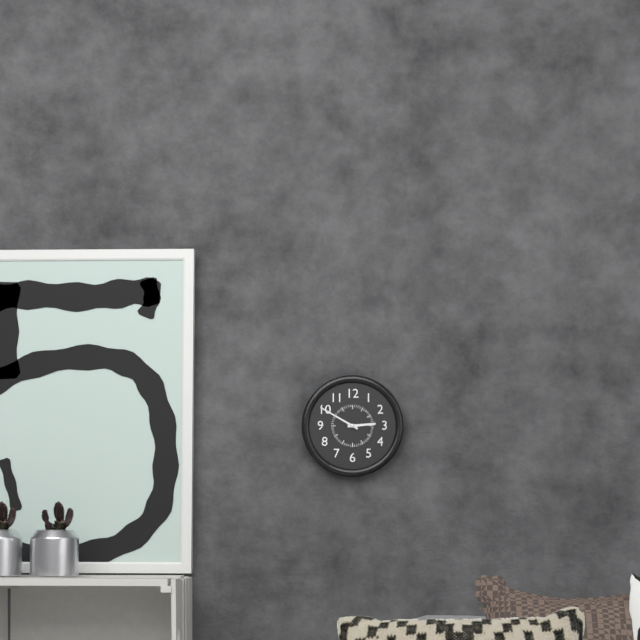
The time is 2:50
